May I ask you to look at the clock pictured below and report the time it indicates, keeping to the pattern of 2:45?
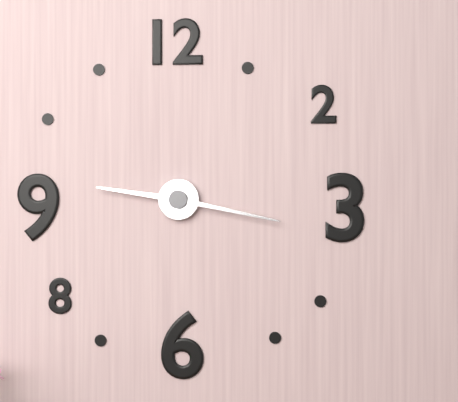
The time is 9:17
